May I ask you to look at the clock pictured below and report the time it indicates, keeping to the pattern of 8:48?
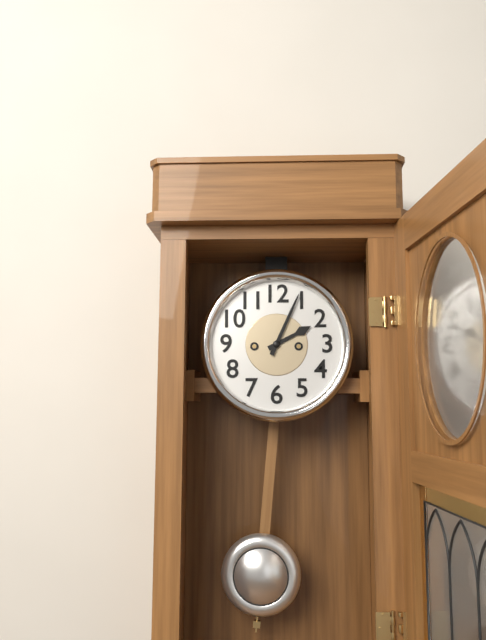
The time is 2:04
